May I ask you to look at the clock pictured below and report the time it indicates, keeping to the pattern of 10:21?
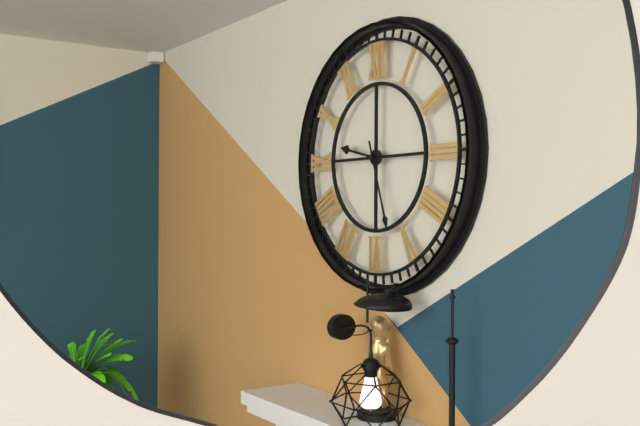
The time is 9:27
